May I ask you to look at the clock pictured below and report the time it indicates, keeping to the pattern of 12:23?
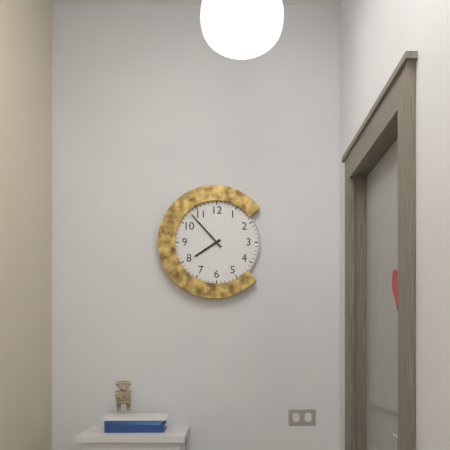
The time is 7:53
